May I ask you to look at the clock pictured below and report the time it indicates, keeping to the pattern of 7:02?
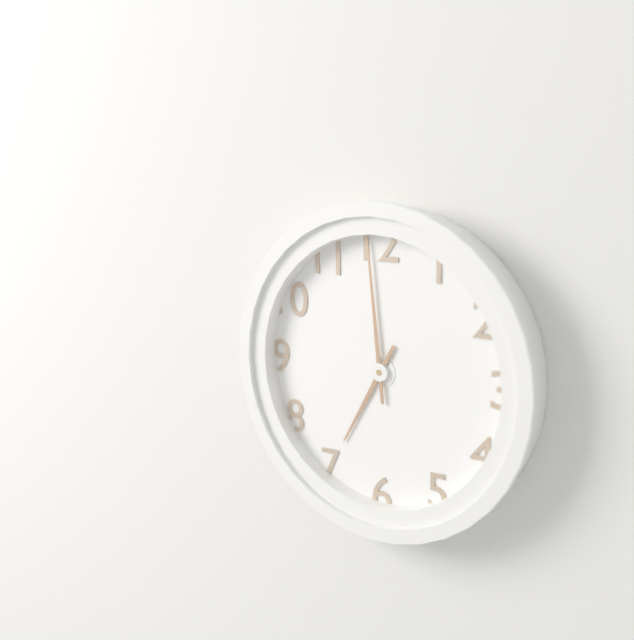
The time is 6:59
